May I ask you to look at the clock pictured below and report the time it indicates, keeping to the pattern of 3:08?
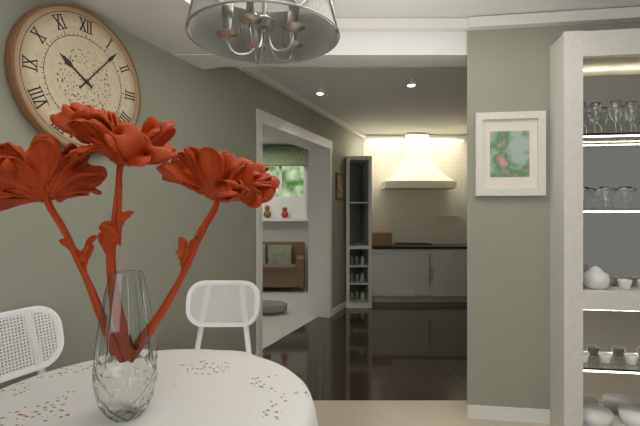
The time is 10:07
